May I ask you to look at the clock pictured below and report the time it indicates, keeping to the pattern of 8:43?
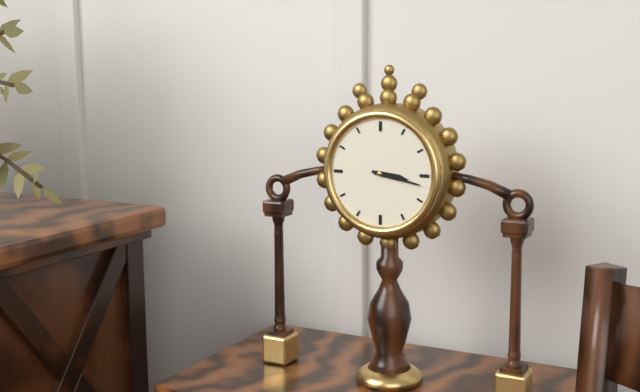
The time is 3:17
